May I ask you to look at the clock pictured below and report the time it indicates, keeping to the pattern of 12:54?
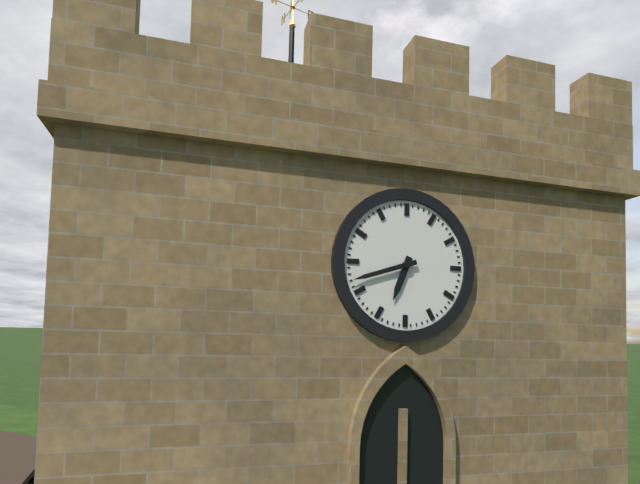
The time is 6:42
